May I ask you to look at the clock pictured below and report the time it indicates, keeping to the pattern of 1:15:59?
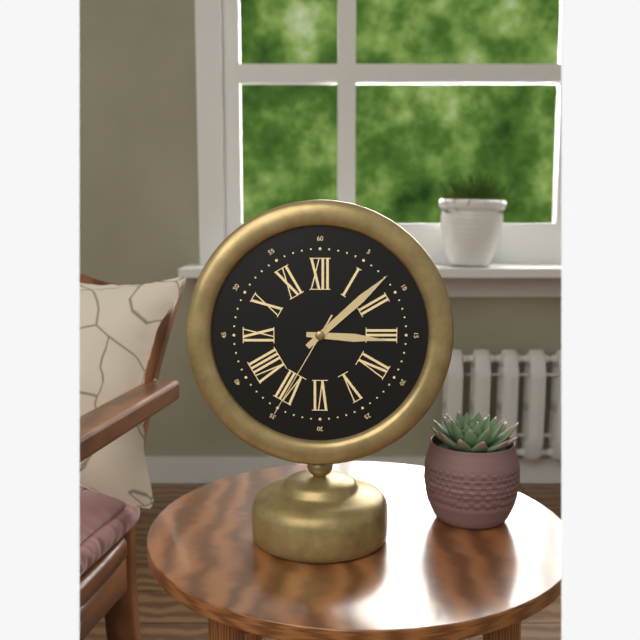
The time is 3:08:35
